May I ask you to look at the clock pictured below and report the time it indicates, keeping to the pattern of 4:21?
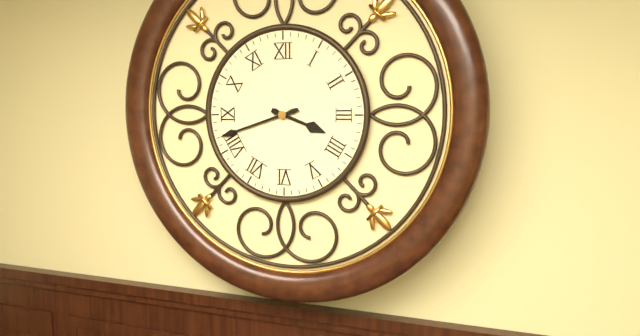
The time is 3:42
